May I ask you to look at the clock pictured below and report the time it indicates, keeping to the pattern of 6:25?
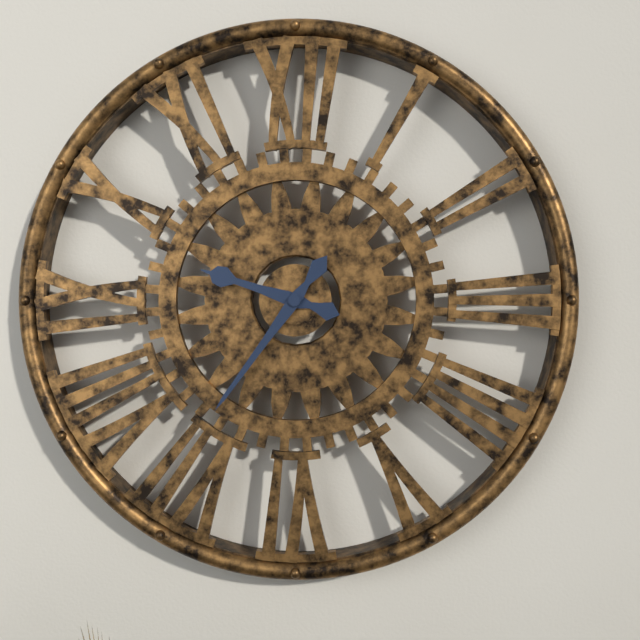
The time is 9:36
